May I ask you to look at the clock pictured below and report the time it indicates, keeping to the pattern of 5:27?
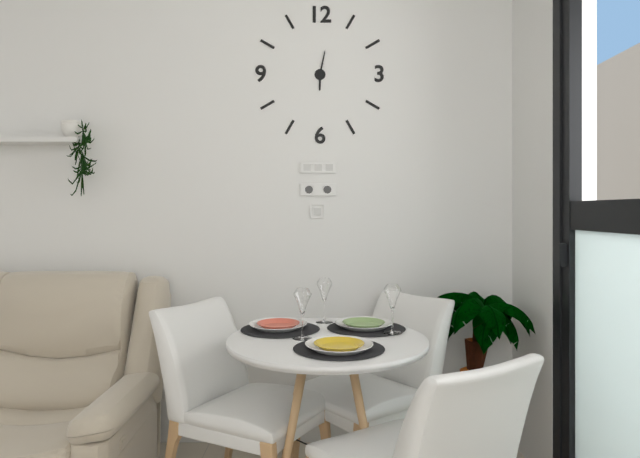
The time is 6:02
